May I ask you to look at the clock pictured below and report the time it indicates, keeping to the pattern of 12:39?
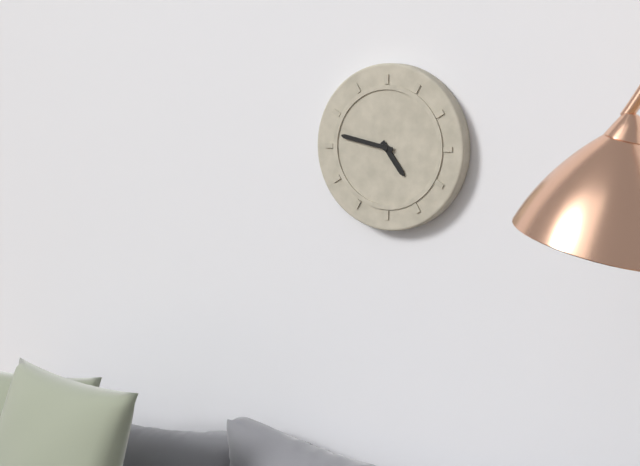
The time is 4:47
